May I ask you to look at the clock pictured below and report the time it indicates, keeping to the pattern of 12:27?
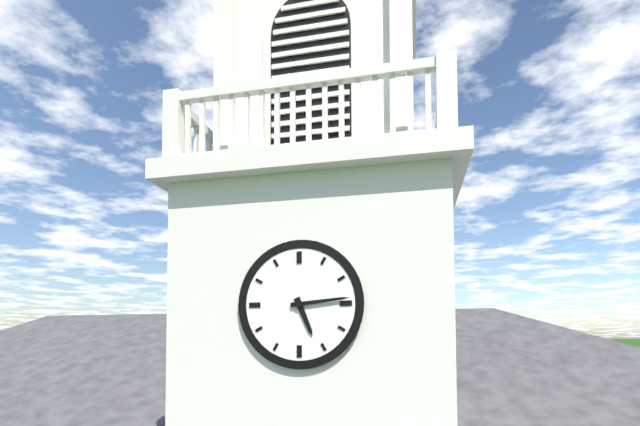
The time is 5:14
